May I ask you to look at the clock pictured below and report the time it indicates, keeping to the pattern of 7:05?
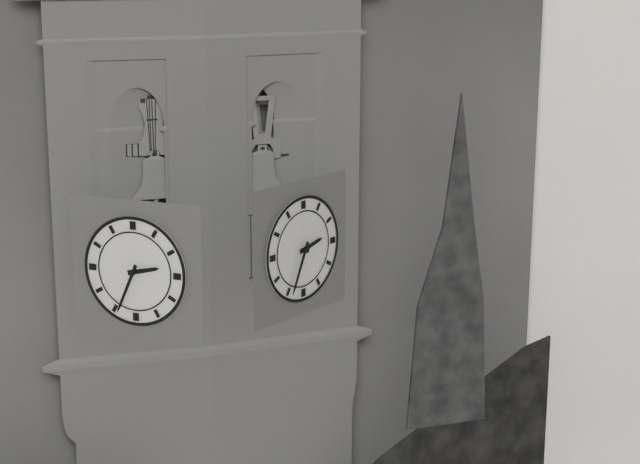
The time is 2:34
